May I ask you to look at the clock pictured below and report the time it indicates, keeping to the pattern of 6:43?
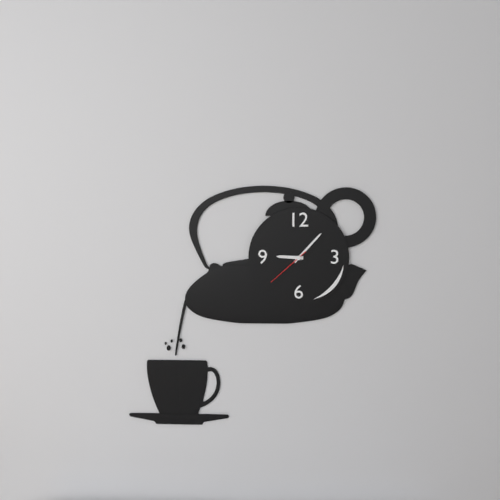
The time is 9:07
